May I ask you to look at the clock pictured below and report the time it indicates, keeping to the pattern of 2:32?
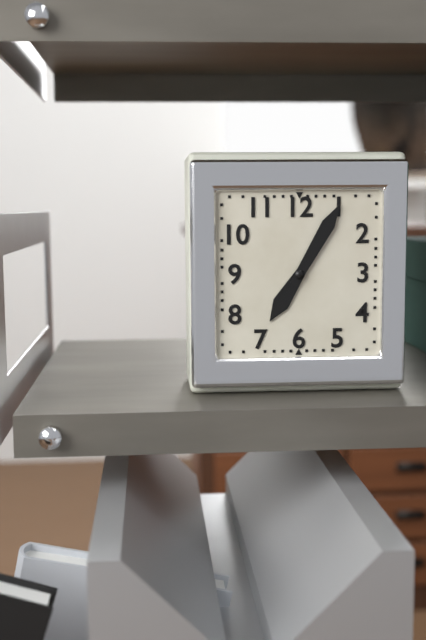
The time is 7:05
